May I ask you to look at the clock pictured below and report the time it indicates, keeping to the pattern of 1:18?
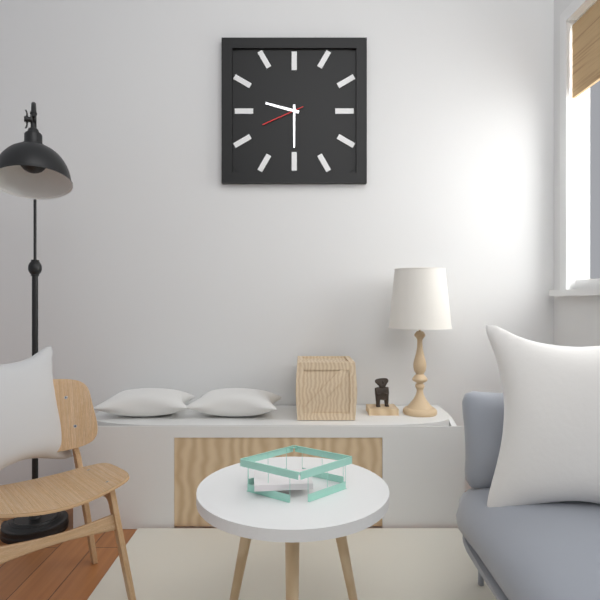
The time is 9:30
